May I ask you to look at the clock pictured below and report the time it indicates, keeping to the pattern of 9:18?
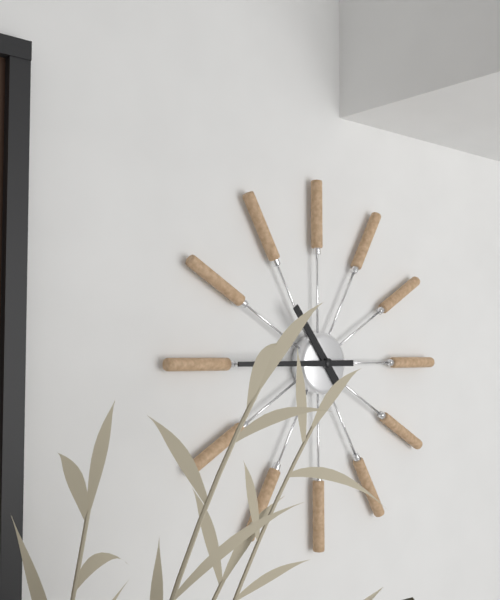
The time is 10:45
